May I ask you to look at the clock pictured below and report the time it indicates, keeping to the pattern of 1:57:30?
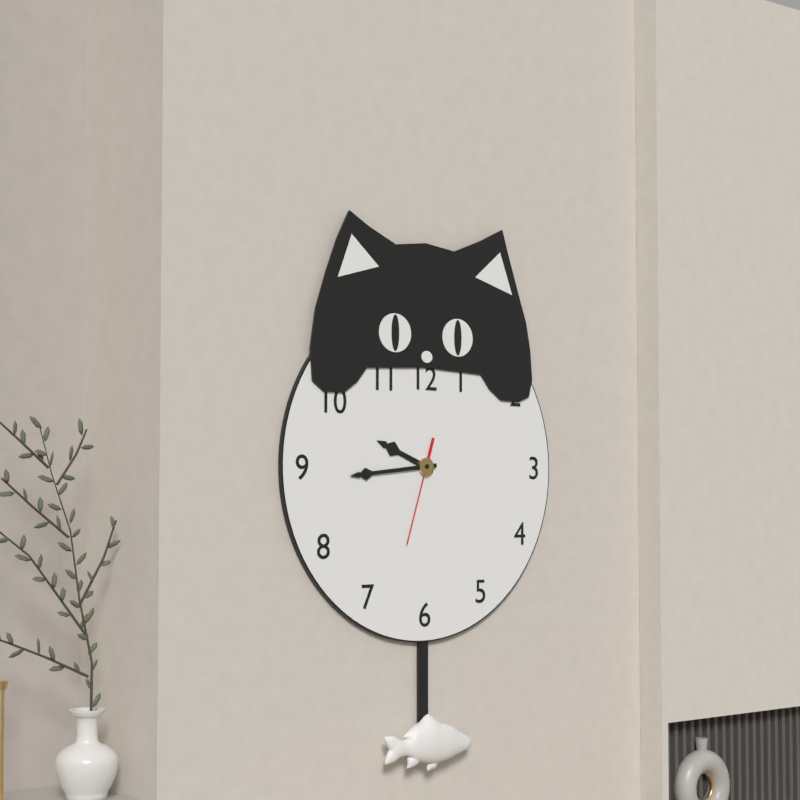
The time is 9:44:33
